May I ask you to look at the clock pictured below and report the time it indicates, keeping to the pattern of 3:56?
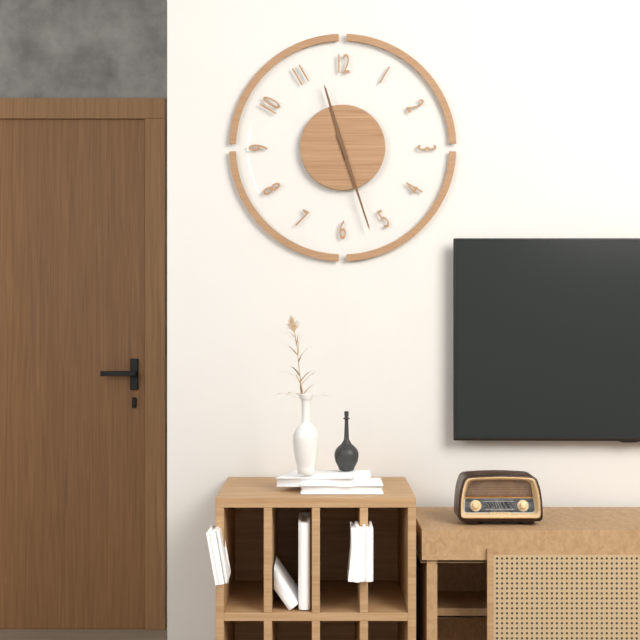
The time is 11:27
